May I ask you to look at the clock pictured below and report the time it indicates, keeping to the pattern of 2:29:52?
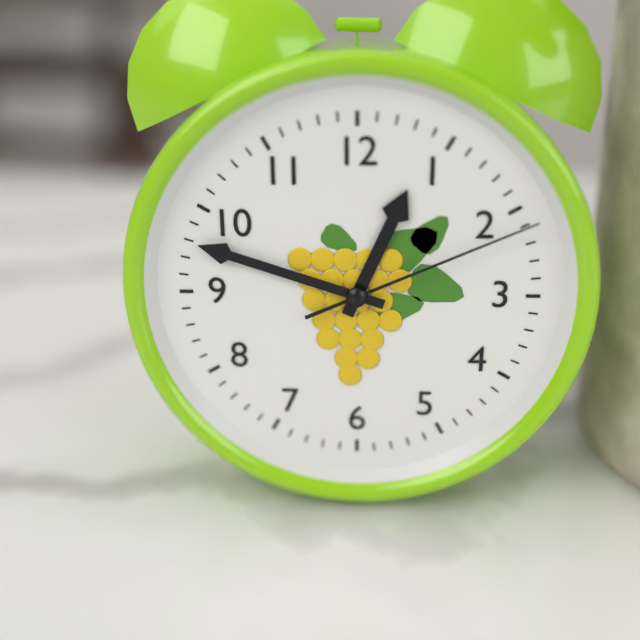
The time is 12:48:11
